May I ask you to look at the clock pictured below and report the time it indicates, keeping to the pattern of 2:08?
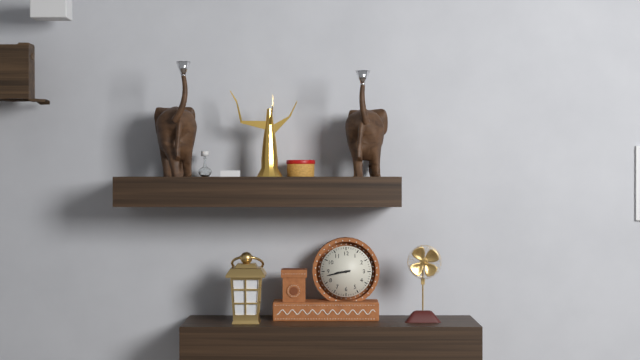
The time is 8:43
